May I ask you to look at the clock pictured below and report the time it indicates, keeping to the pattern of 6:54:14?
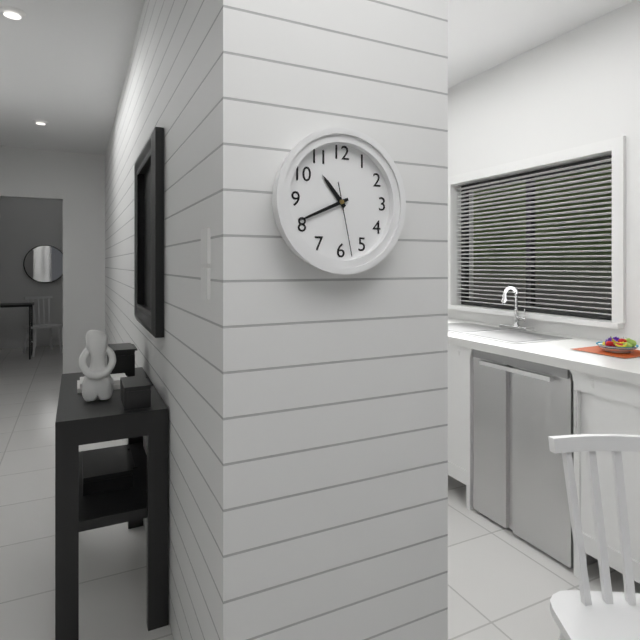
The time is 10:41:28
